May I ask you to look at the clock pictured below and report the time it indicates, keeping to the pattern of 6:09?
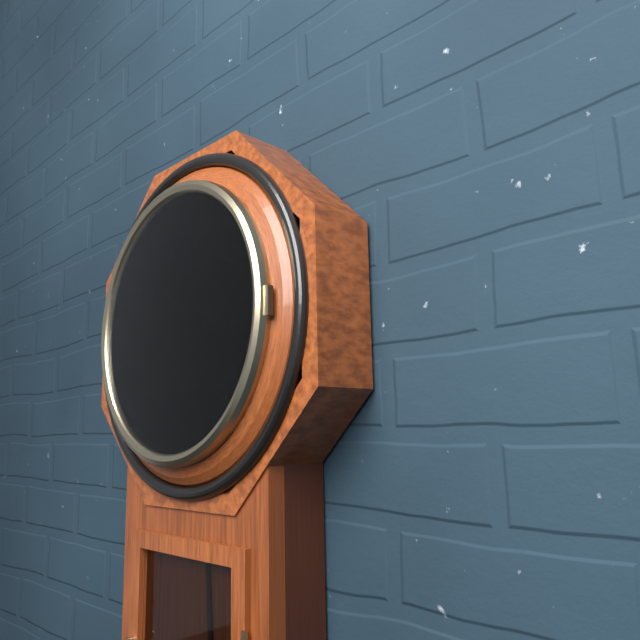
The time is 10:35
